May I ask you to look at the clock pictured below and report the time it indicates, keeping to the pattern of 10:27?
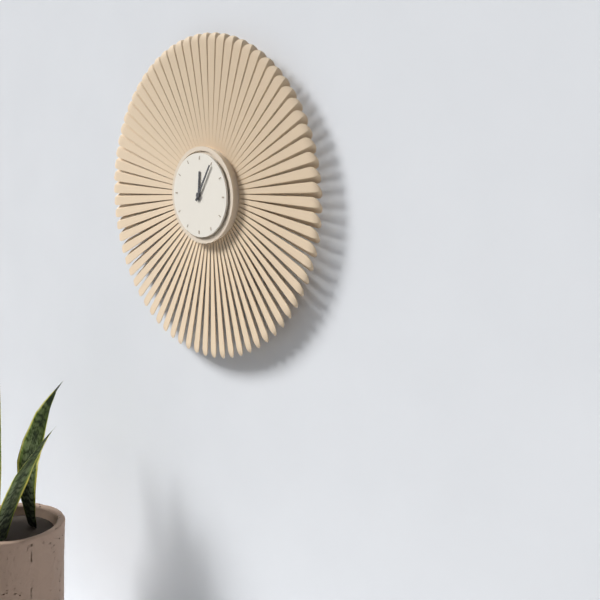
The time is 12:05
